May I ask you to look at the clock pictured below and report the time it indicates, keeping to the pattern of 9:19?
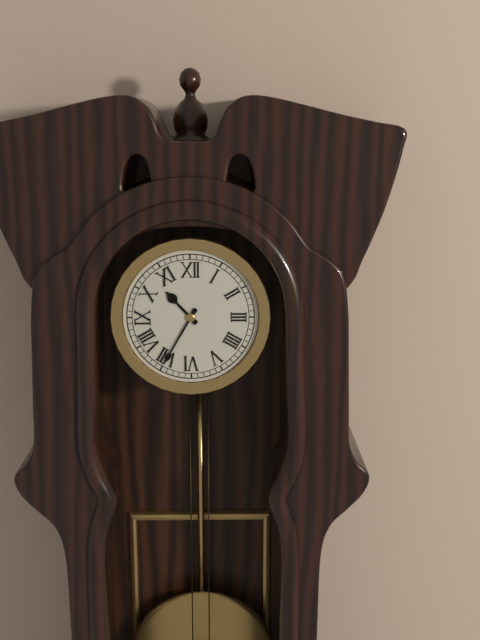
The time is 10:35
